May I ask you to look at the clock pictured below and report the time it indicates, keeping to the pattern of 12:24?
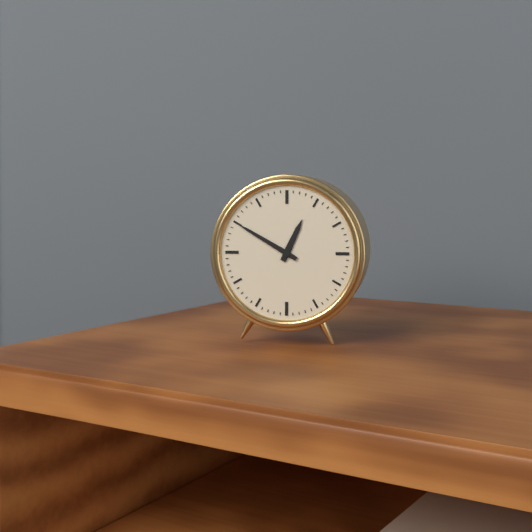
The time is 12:50
